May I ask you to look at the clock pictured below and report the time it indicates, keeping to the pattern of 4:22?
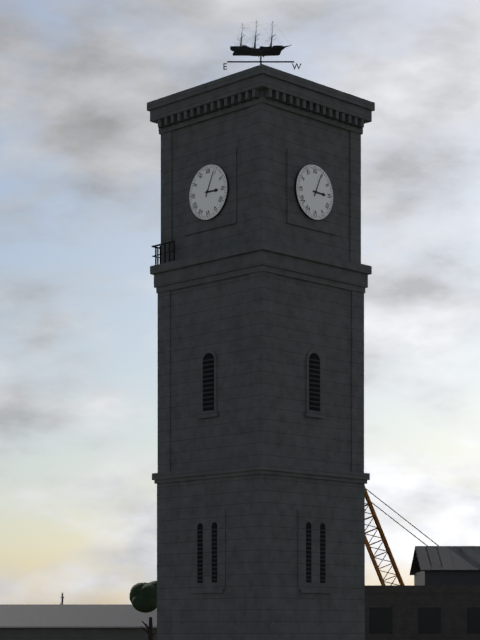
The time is 3:04
